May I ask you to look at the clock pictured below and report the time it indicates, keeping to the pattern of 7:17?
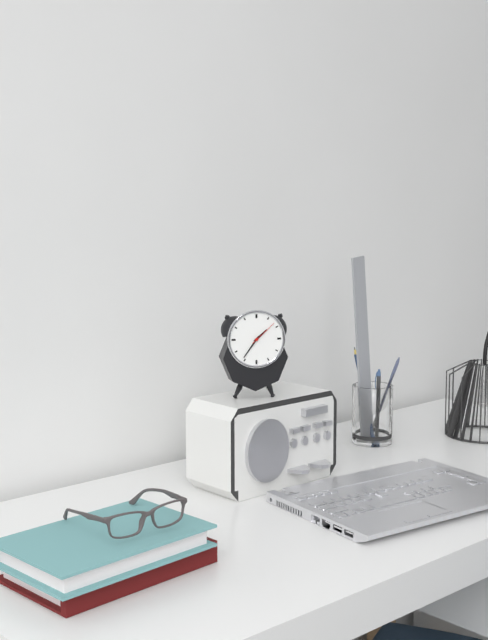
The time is 1:36
